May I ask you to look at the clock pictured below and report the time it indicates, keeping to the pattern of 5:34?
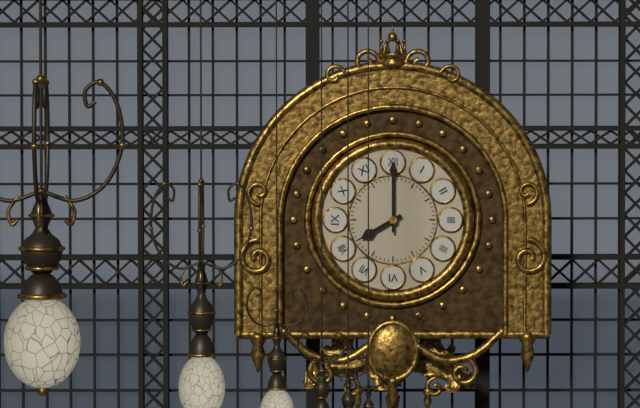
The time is 8:00
